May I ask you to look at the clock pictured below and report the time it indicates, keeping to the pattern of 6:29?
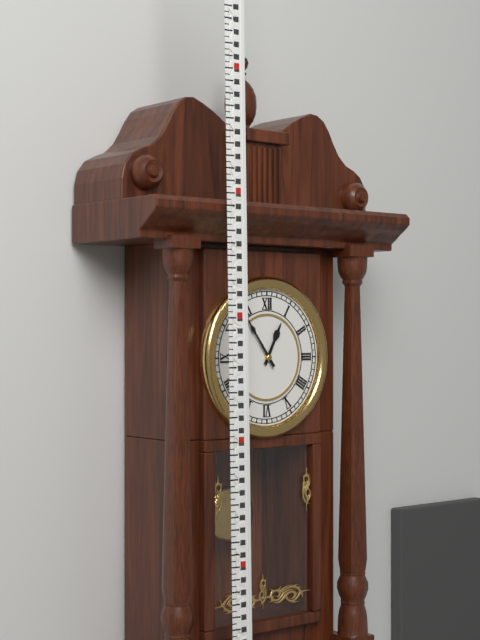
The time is 12:54
